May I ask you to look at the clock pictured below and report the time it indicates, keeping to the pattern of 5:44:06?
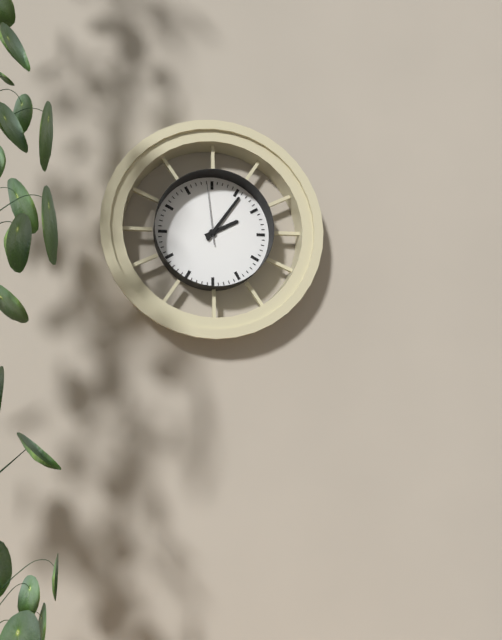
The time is 2:06:59
